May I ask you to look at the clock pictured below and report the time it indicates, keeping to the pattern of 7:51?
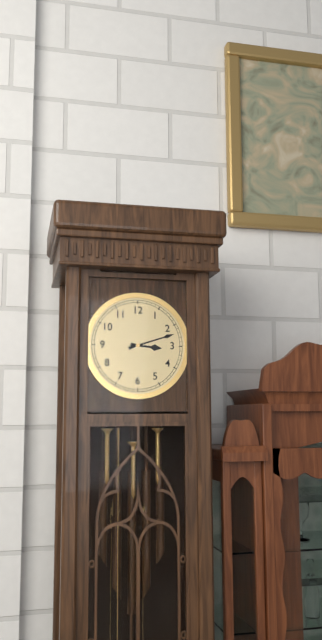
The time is 3:12
